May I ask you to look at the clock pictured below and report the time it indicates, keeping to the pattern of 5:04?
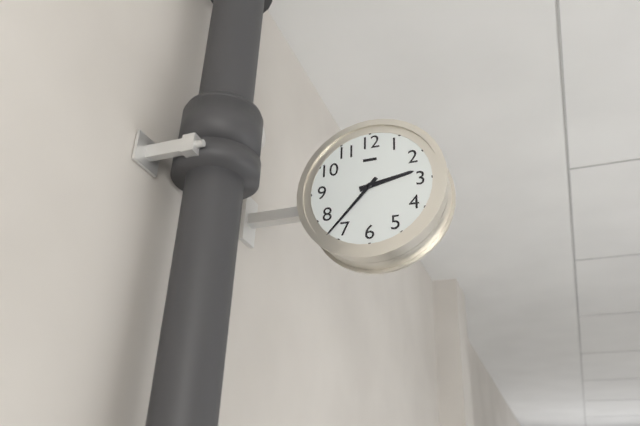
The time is 2:37
